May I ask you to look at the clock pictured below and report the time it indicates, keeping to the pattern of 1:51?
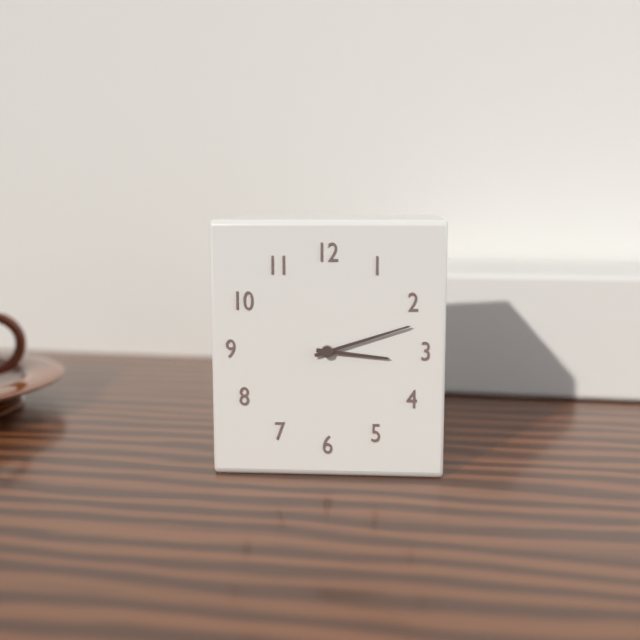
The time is 3:12
